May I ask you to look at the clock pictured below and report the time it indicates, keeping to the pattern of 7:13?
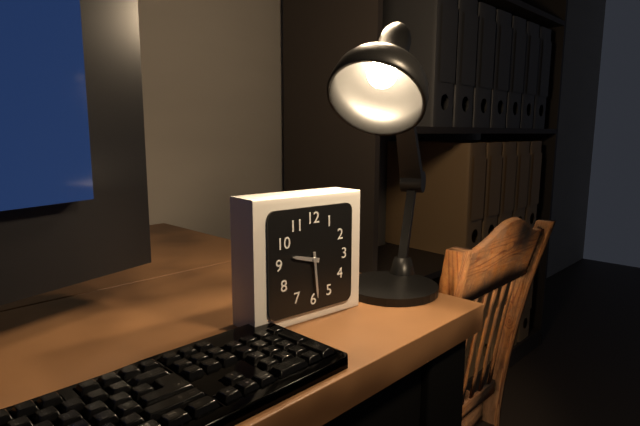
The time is 9:29
